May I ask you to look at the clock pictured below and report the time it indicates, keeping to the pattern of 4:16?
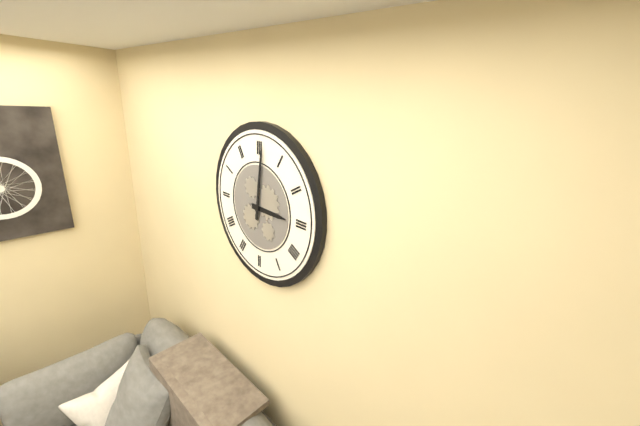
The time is 3:01
